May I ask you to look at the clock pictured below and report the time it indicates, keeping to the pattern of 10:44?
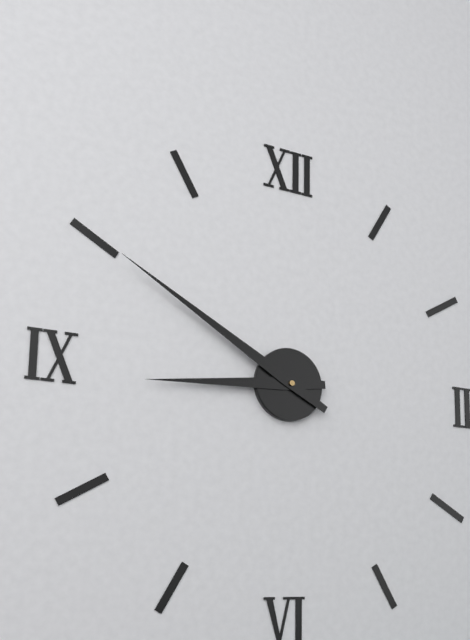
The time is 8:50
